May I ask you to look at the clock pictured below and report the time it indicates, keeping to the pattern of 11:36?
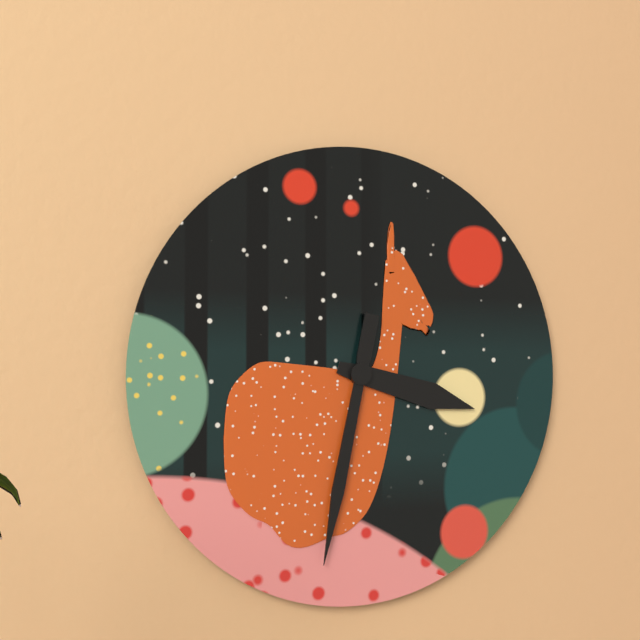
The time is 3:32
